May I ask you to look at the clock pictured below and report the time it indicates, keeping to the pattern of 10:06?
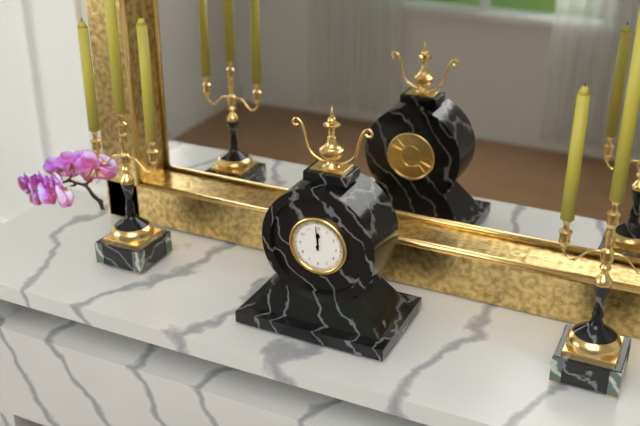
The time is 11:59
